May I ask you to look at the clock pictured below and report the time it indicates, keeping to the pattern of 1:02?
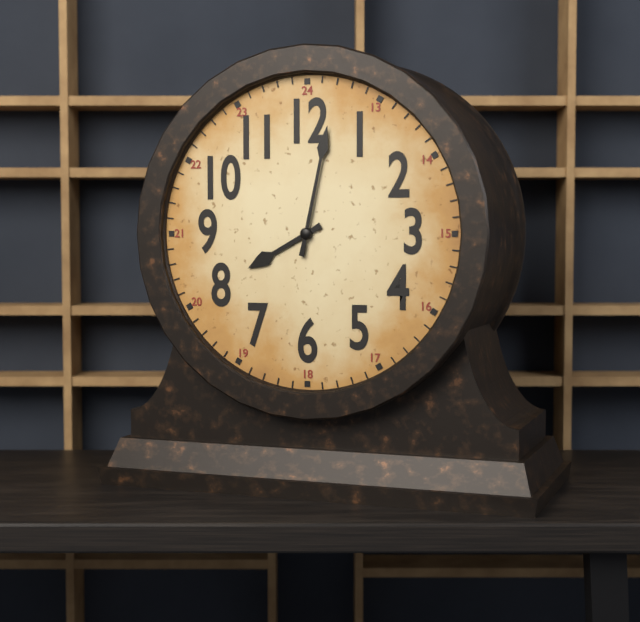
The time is 8:02
